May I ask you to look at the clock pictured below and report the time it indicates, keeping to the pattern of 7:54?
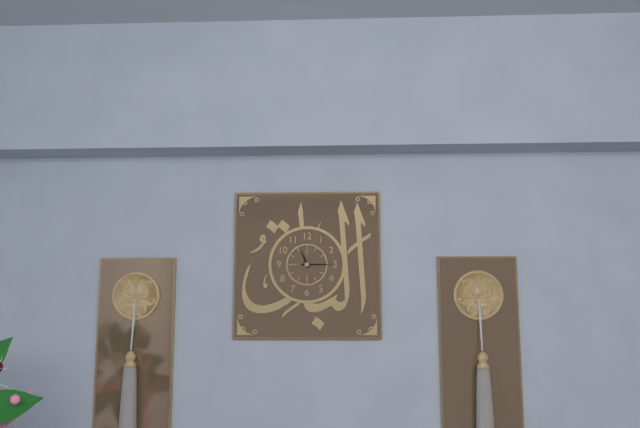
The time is 11:15
